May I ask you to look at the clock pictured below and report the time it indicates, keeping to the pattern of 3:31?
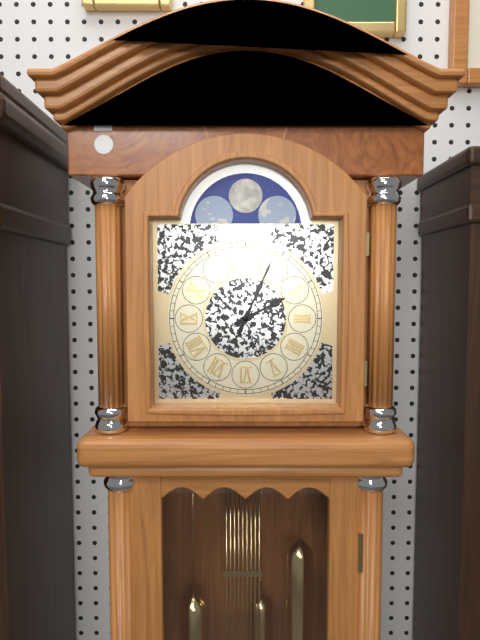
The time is 2:04
